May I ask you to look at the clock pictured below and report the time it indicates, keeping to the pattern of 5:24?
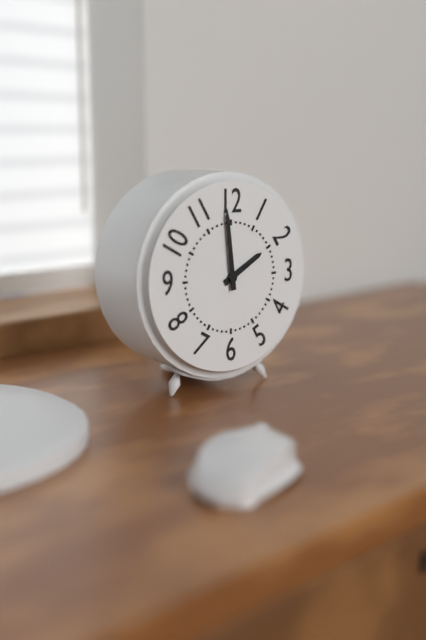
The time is 1:59
